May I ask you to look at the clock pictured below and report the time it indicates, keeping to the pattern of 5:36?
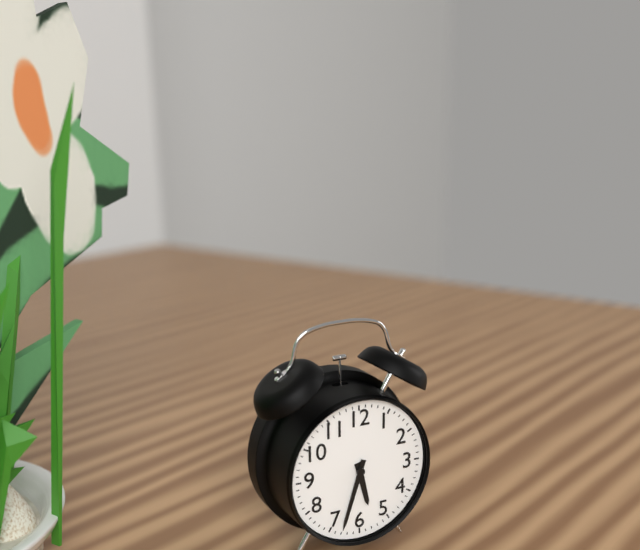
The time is 5:33
